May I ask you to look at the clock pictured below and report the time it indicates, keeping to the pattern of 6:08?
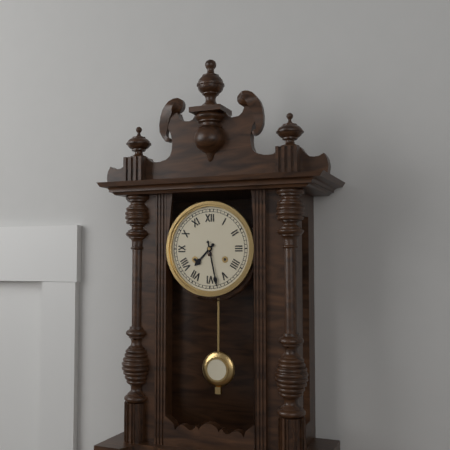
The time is 7:28
